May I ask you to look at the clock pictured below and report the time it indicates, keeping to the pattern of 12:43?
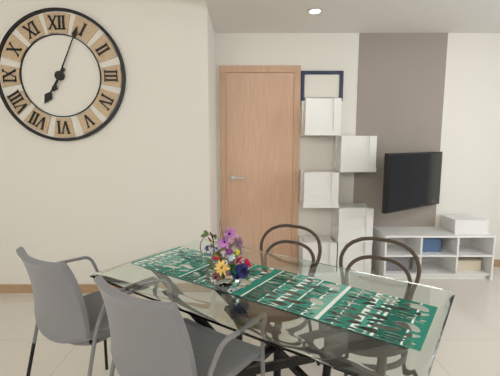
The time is 7:04
